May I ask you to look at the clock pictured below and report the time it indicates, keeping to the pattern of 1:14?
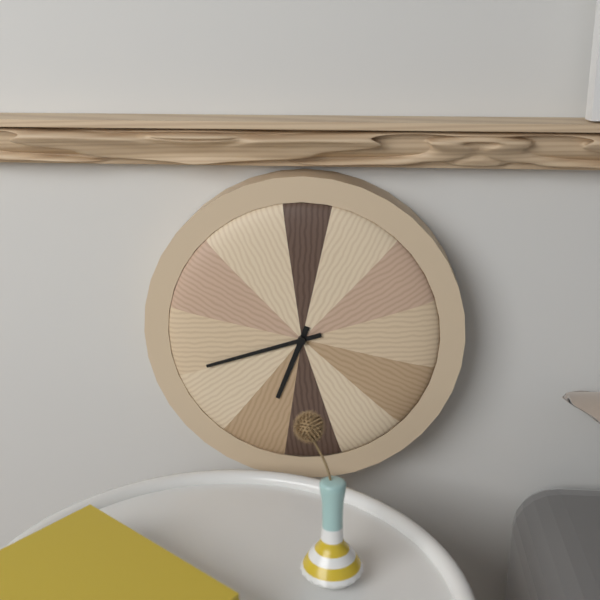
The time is 6:42
